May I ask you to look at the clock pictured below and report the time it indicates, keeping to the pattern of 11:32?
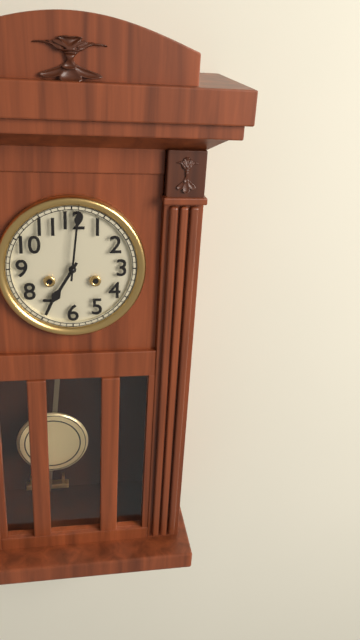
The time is 7:01
